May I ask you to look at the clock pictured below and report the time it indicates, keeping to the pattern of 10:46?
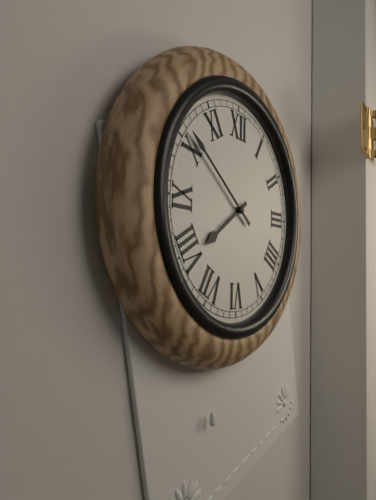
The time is 7:51
